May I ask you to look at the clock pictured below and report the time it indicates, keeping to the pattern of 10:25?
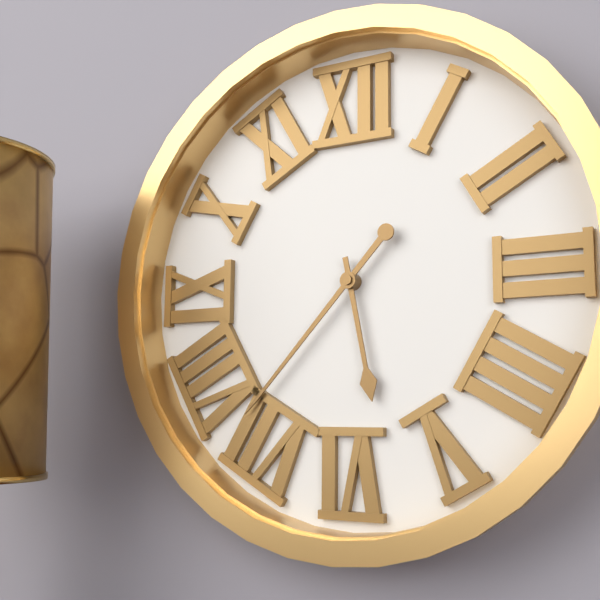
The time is 5:37
